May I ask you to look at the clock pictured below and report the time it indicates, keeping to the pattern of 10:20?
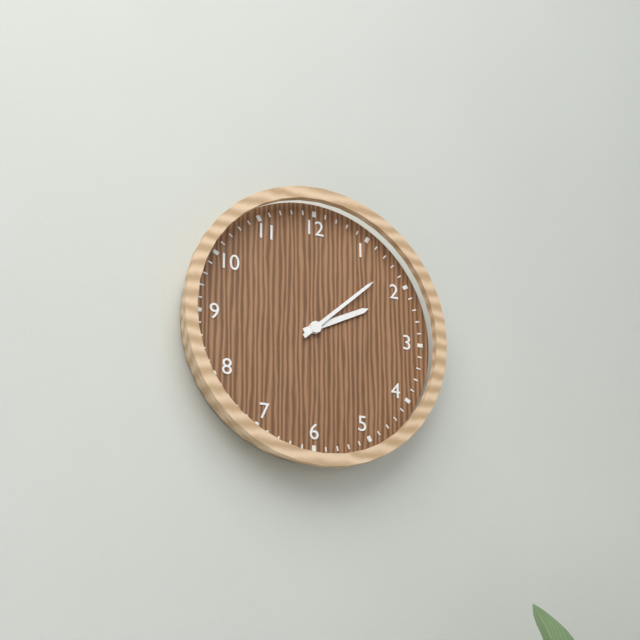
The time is 2:08
